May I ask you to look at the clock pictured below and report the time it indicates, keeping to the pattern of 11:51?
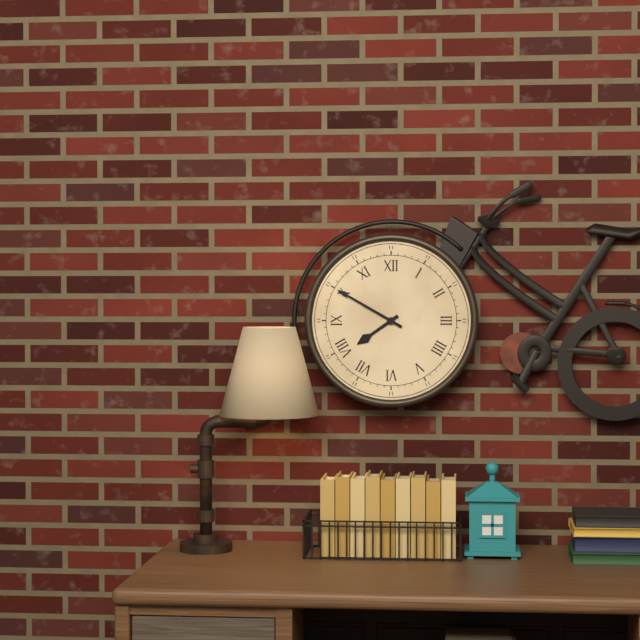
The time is 7:50
